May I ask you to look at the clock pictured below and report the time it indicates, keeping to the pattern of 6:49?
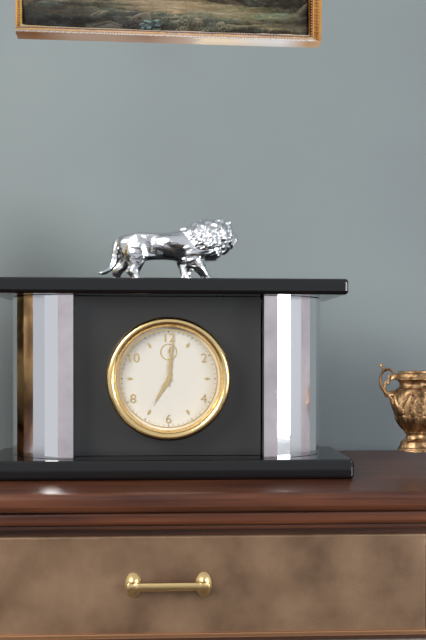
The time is 7:01
